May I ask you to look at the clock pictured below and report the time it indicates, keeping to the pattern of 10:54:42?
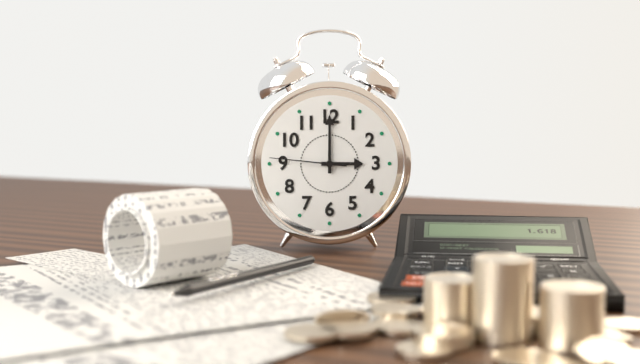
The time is 3:00:46
